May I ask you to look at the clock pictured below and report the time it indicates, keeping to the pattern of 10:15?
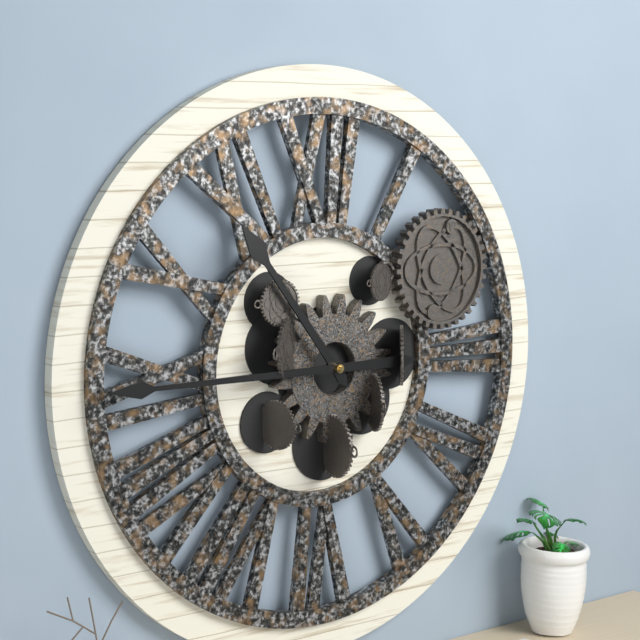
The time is 10:45
